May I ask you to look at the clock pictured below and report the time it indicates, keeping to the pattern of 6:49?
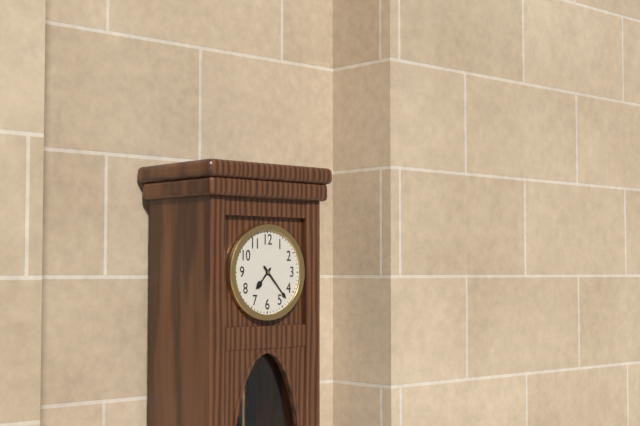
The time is 7:23
